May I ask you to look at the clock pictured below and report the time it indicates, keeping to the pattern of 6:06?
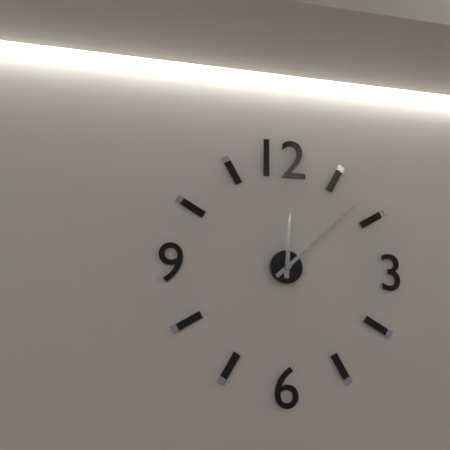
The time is 12:08
